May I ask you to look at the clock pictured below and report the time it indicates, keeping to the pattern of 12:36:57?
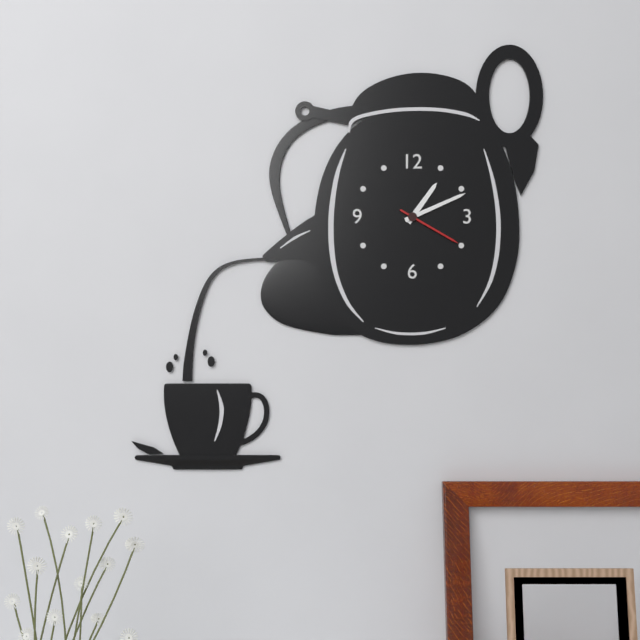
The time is 1:11:20
